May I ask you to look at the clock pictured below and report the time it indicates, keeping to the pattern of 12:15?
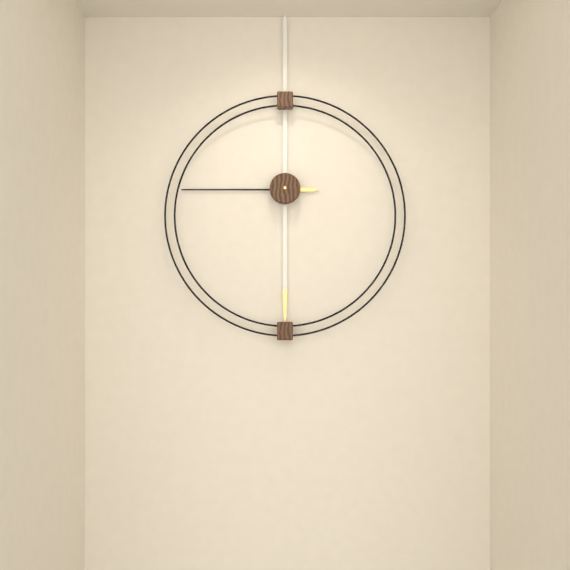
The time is 9:00
